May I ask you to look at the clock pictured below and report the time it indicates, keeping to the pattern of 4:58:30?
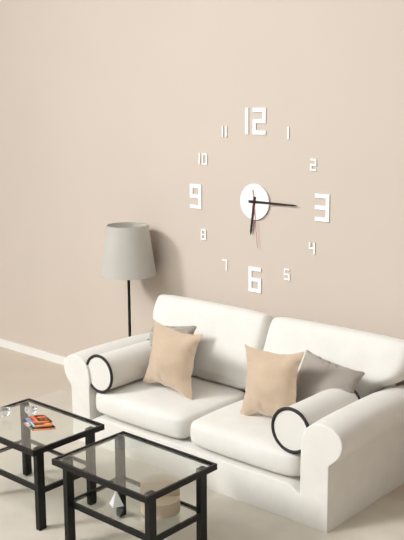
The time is 6:15:29
